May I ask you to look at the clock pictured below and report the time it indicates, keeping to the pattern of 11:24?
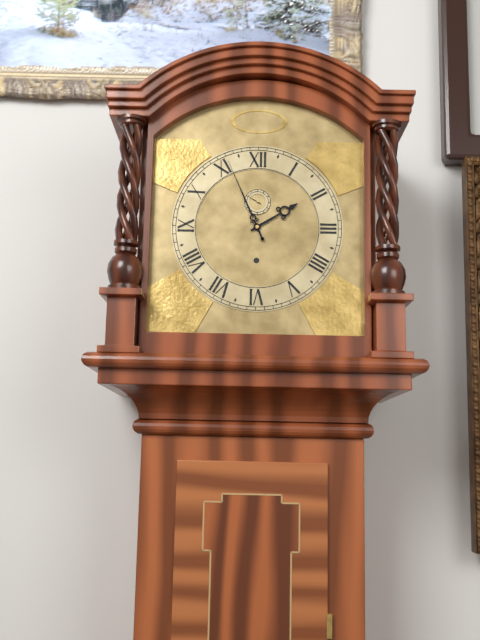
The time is 1:56
